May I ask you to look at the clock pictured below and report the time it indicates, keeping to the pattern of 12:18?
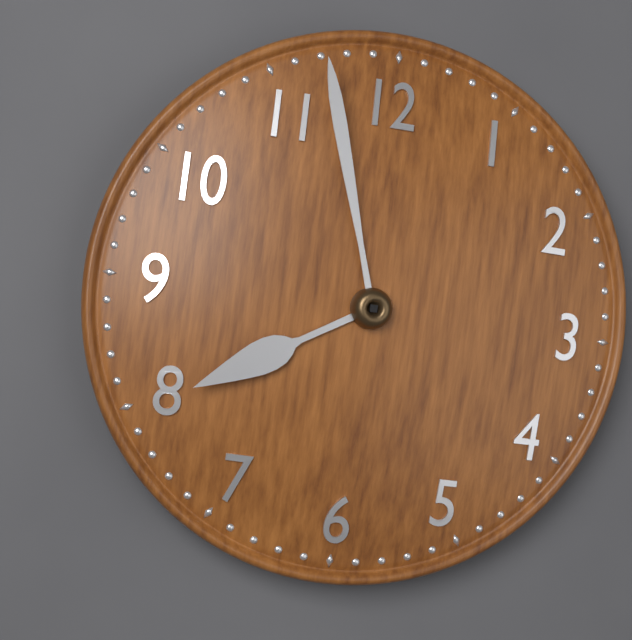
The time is 7:57
